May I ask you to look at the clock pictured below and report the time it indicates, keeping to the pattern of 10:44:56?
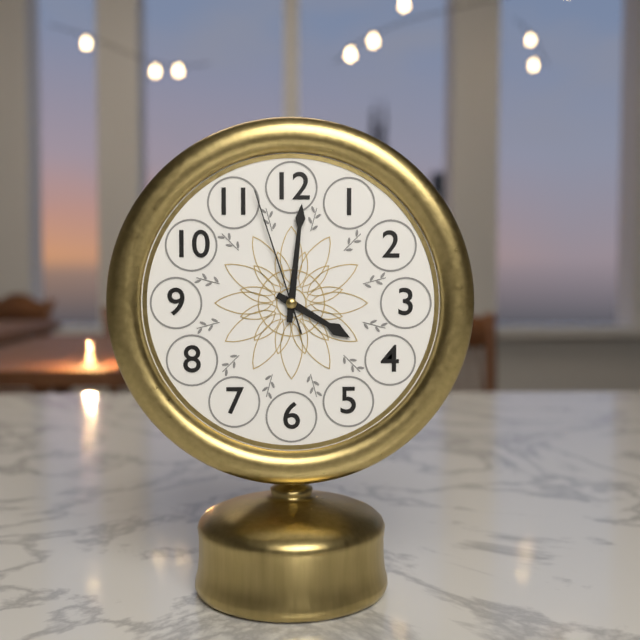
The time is 4:01:57
